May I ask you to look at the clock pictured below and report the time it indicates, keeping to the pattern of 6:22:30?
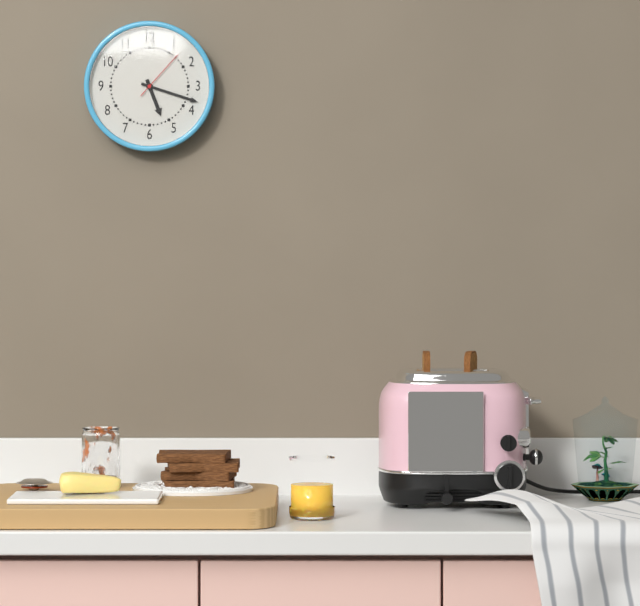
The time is 5:18:07
